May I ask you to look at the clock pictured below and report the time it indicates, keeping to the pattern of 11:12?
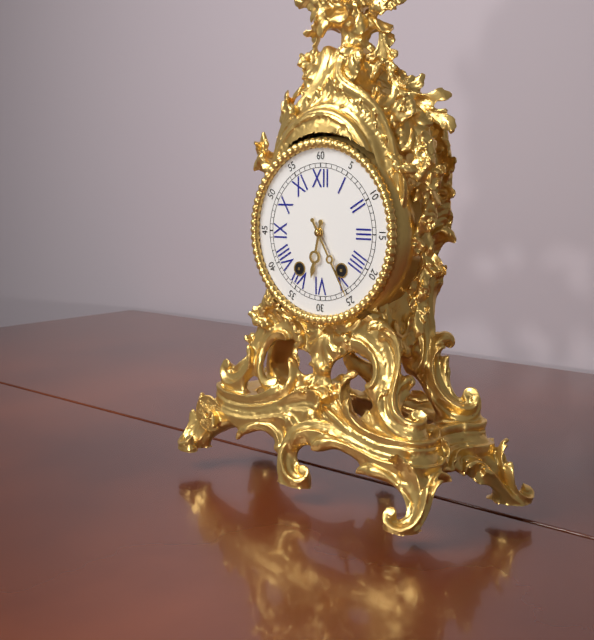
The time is 6:25
